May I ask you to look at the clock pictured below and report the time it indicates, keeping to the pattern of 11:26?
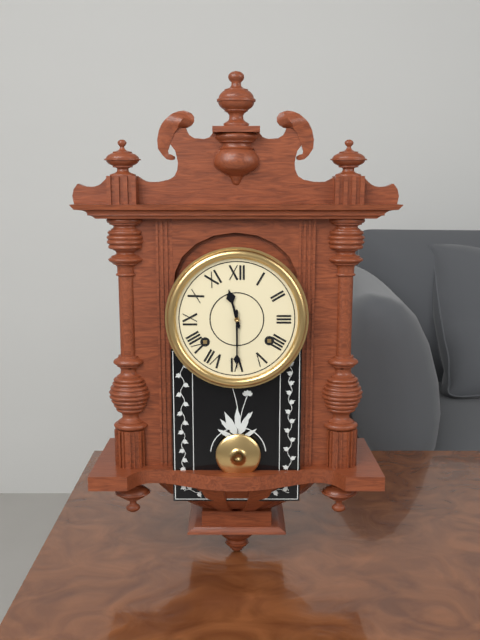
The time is 11:30
